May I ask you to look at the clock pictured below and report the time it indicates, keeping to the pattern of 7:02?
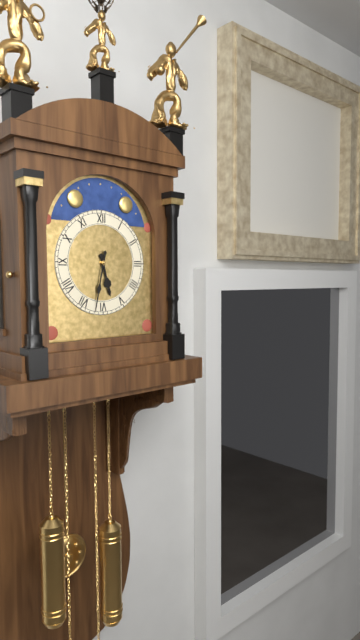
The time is 5:32
